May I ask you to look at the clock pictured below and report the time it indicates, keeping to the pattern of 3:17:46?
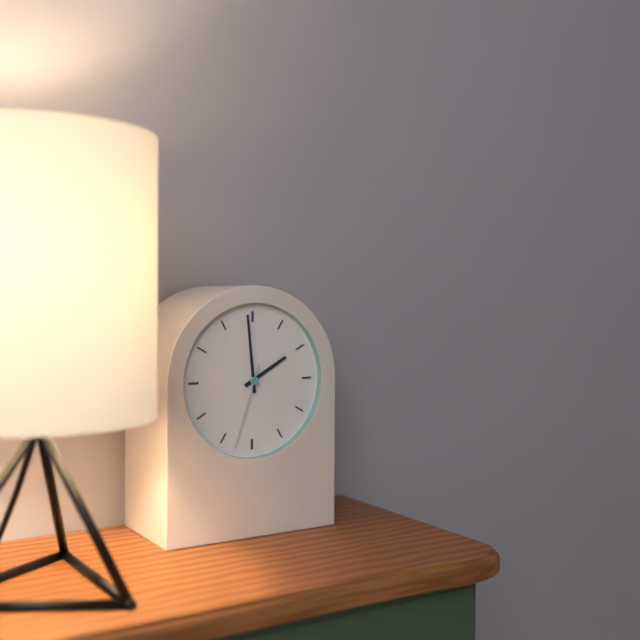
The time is 1:59:33
